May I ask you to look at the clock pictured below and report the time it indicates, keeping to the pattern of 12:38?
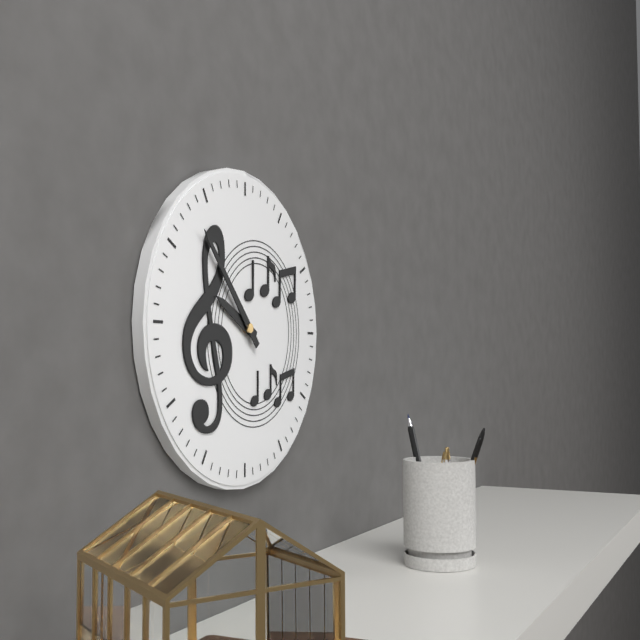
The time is 9:53
